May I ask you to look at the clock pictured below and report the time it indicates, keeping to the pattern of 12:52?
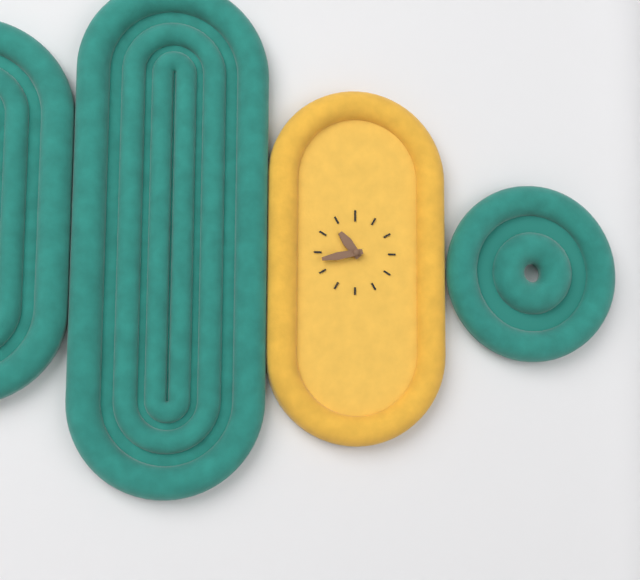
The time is 10:43
